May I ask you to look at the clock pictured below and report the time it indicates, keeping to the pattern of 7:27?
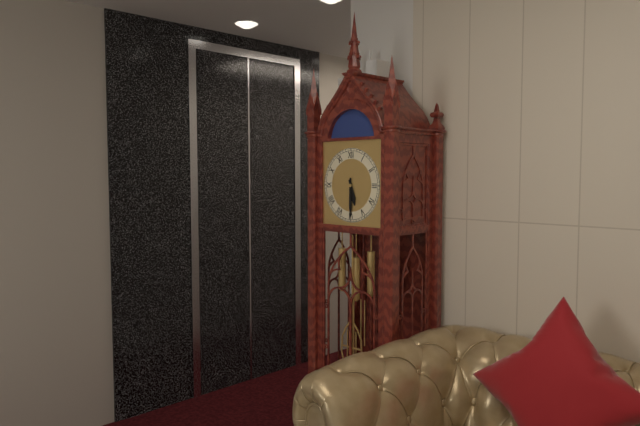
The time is 5:30
